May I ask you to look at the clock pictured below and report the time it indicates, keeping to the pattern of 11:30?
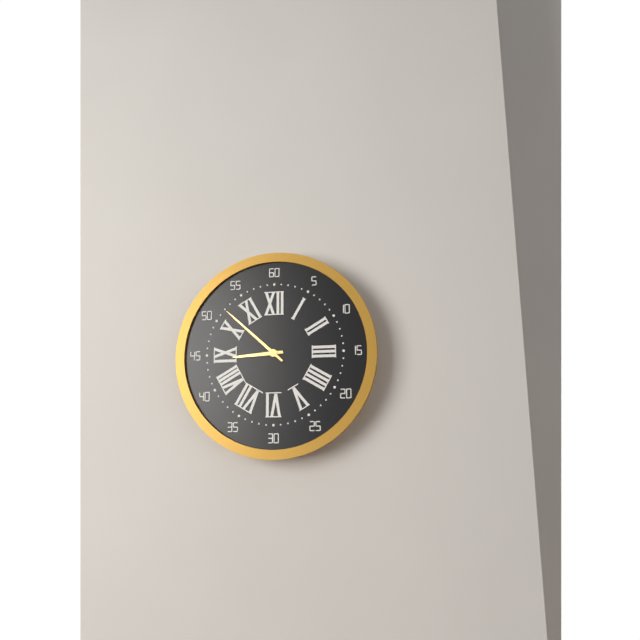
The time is 8:52
